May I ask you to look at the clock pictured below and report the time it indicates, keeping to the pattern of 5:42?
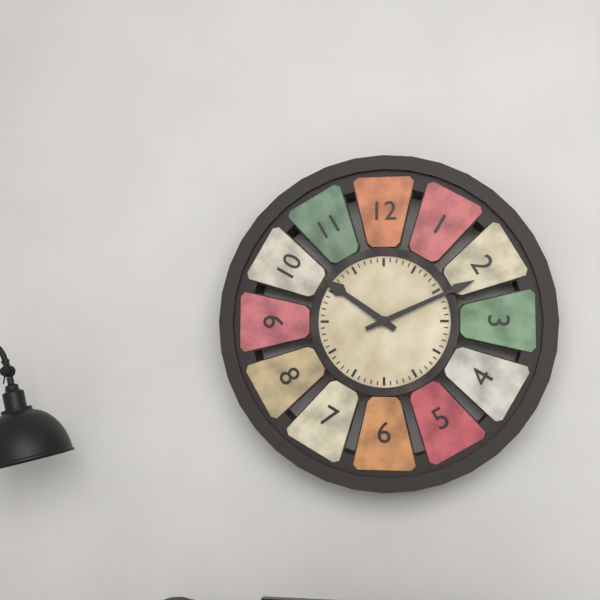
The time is 10:11
